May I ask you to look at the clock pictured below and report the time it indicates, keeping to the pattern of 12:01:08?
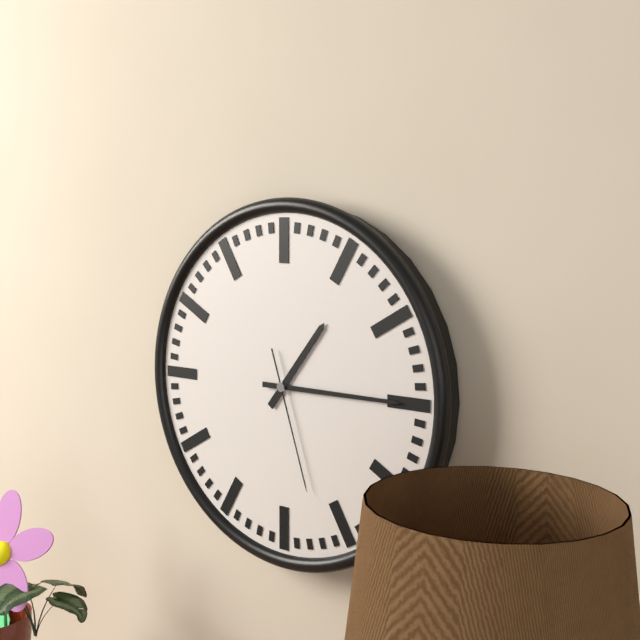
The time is 1:15:27
